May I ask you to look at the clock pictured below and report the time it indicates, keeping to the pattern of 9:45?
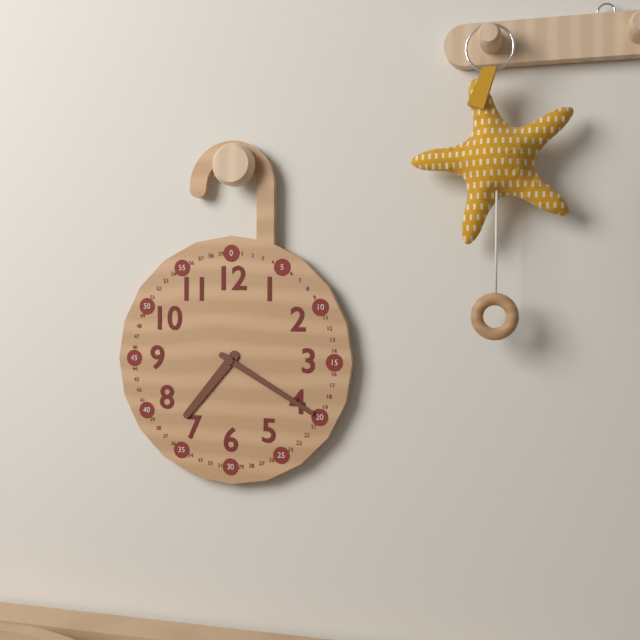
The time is 7:20
